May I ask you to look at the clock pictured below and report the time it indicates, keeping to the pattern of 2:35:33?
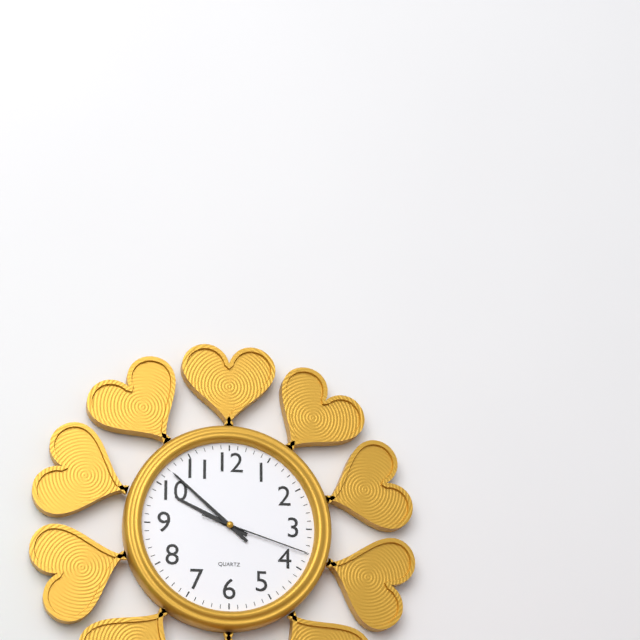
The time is 9:52:18
